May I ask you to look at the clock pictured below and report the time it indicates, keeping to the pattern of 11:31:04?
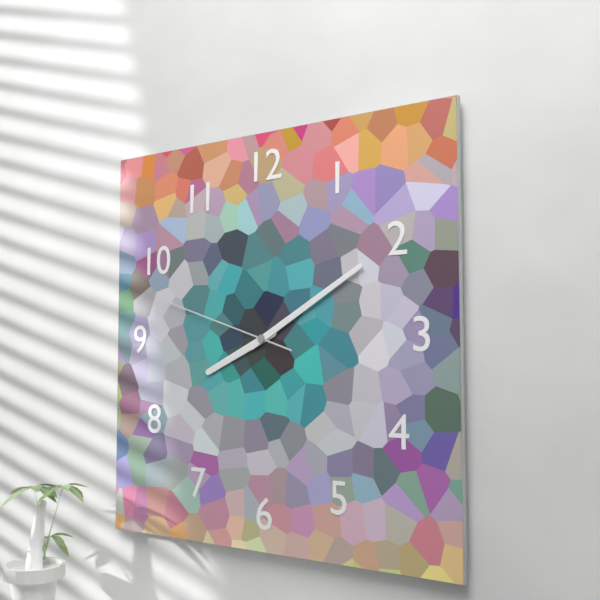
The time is 8:10:48
